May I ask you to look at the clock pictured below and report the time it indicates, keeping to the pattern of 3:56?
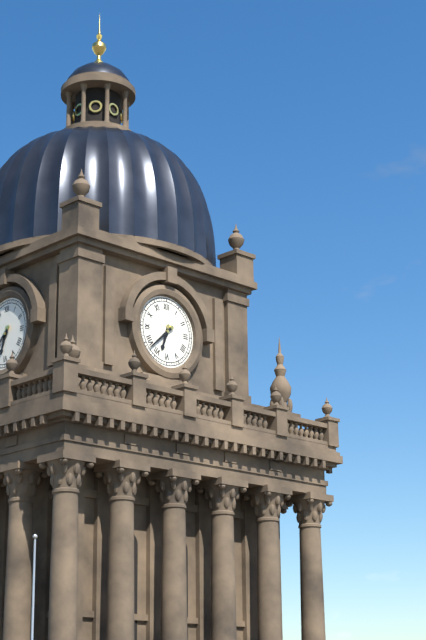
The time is 6:38
